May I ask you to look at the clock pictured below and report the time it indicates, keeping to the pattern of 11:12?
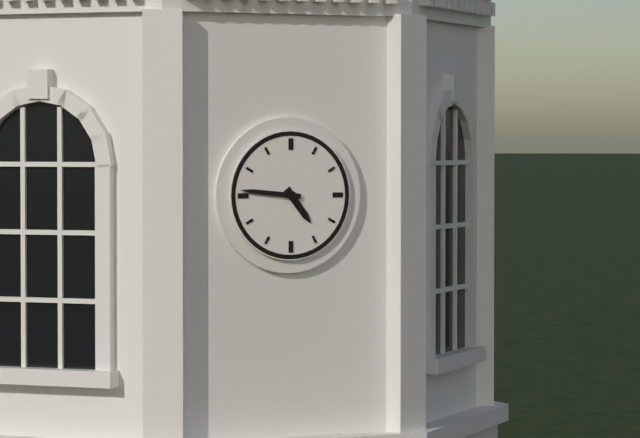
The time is 4:46
